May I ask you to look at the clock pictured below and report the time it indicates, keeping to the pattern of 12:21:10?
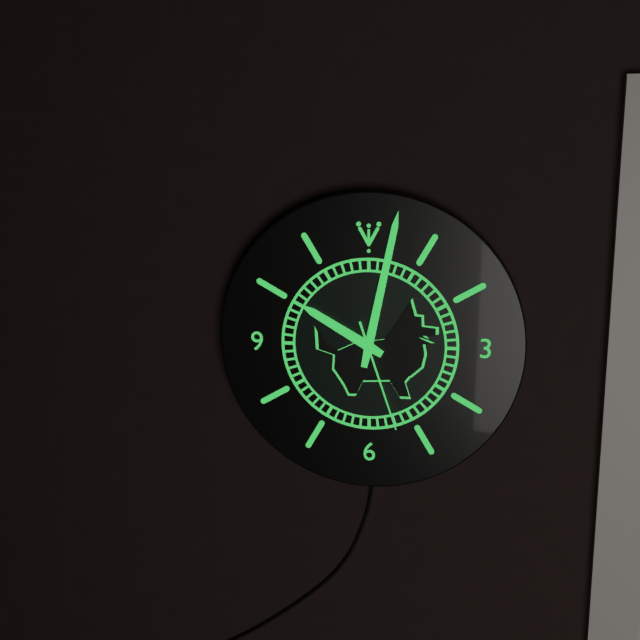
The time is 10:02:27
